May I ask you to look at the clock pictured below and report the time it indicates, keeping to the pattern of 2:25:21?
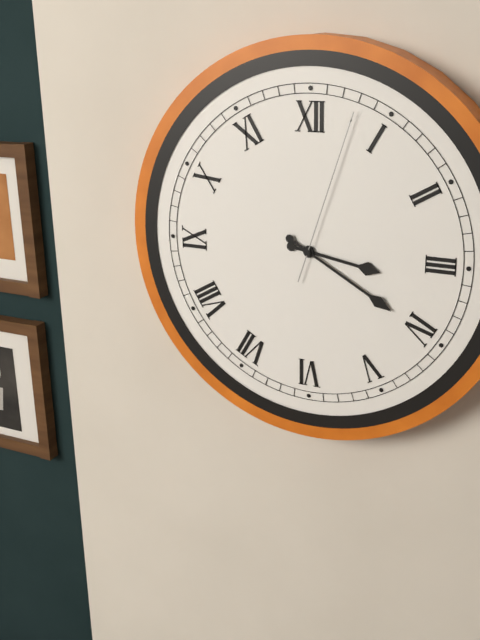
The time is 3:20:03
